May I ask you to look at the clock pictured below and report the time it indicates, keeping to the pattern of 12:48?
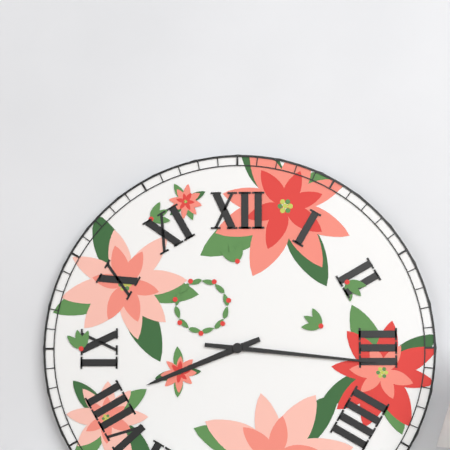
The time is 8:16
